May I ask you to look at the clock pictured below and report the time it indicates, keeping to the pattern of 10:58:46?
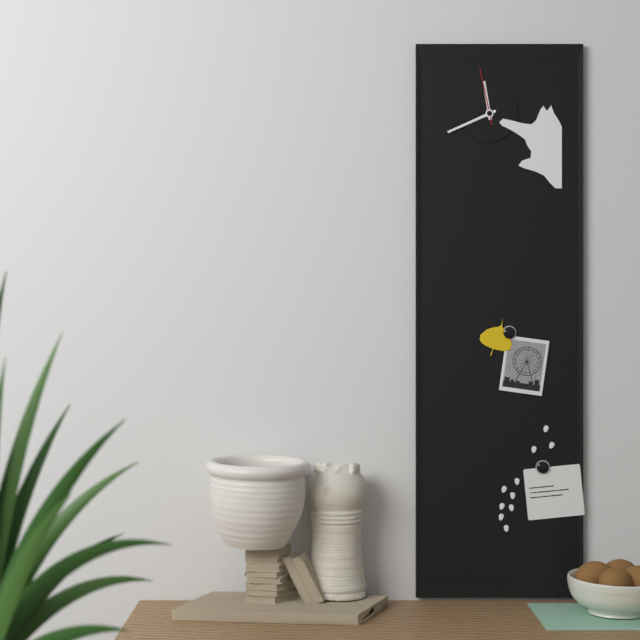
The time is 11:41:58
